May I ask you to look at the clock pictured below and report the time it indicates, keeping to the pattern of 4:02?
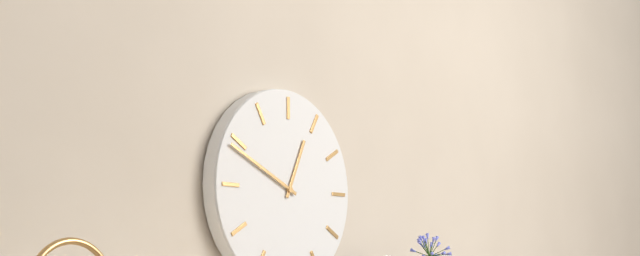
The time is 12:49
